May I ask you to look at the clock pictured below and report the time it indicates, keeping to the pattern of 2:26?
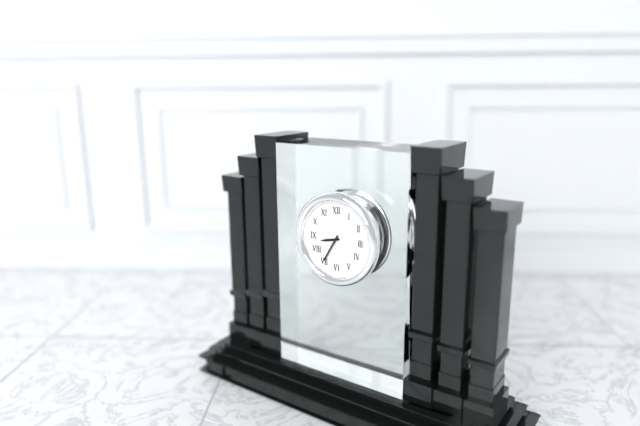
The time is 8:35
